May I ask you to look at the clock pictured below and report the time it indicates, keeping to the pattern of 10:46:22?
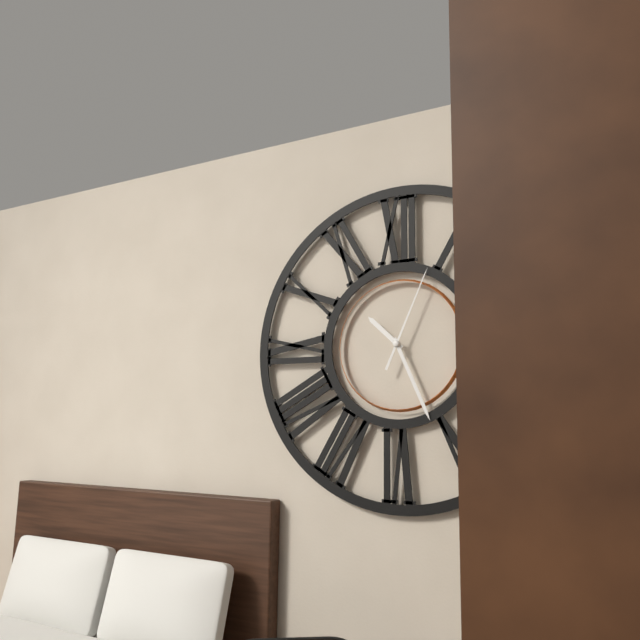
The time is 10:26:04
